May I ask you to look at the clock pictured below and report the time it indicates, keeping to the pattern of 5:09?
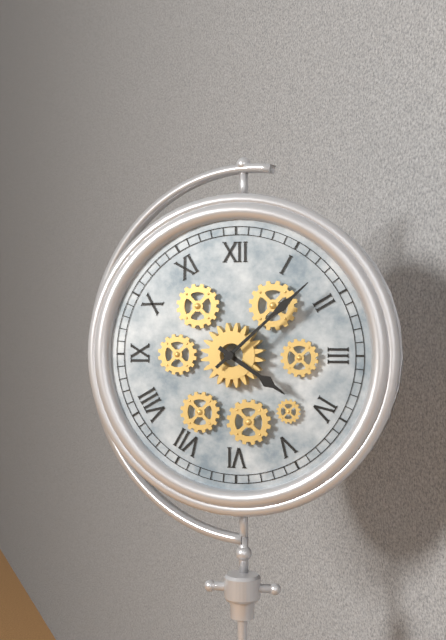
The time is 4:08
